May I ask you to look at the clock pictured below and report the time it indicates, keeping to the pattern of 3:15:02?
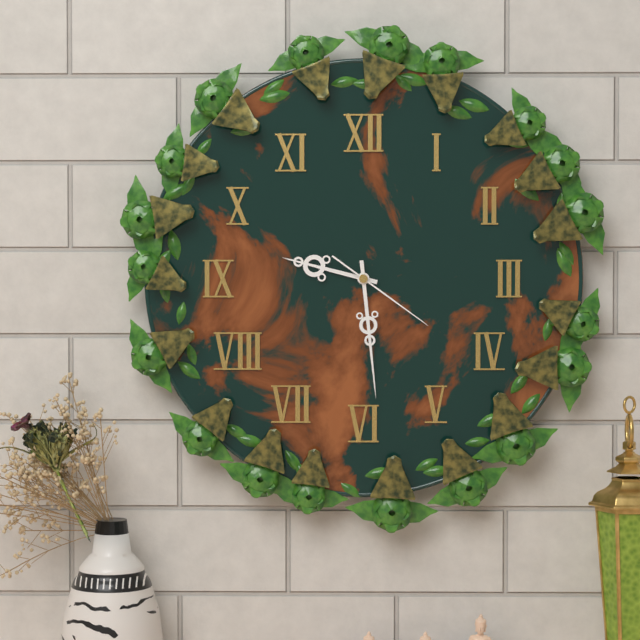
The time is 9:29:21
